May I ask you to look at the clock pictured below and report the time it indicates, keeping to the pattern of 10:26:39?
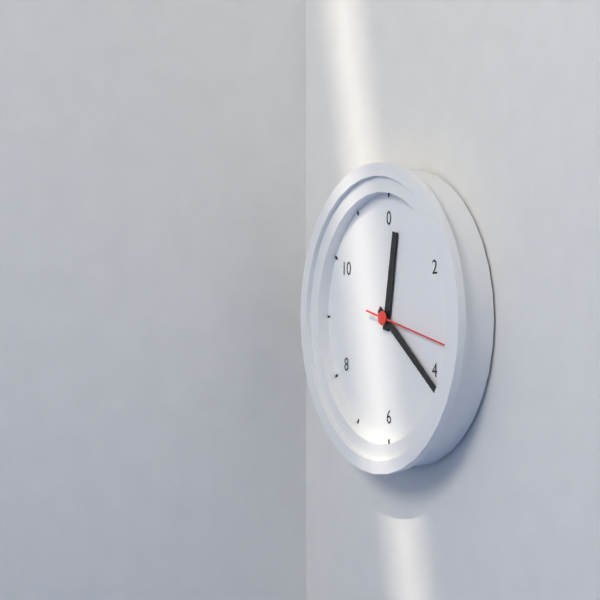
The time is 12:21:17
